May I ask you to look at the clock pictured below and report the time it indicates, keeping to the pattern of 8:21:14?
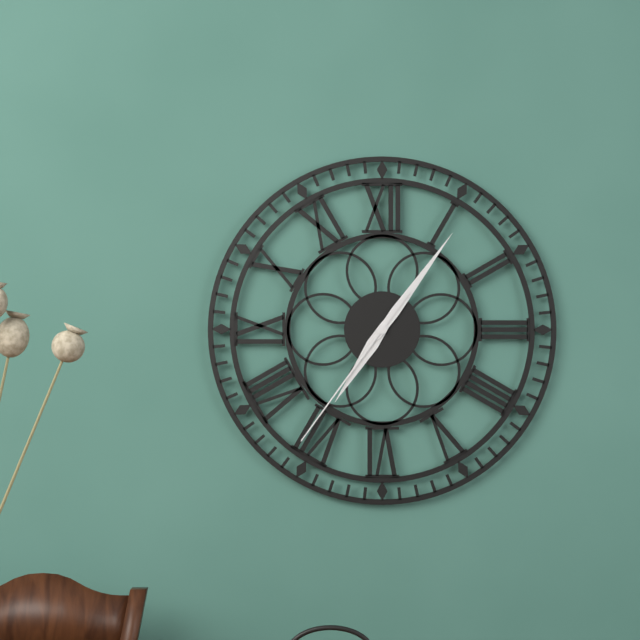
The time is 7:06:36
